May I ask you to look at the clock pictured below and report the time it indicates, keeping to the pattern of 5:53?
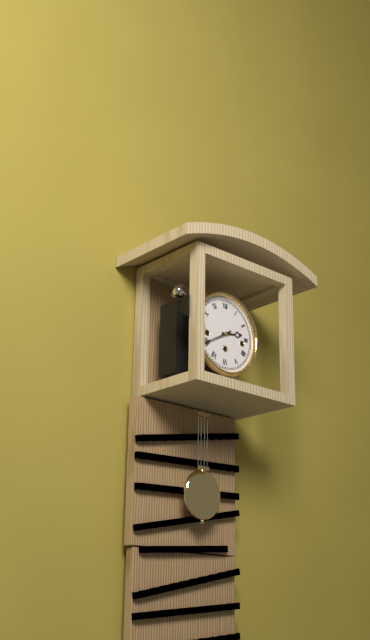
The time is 2:40
